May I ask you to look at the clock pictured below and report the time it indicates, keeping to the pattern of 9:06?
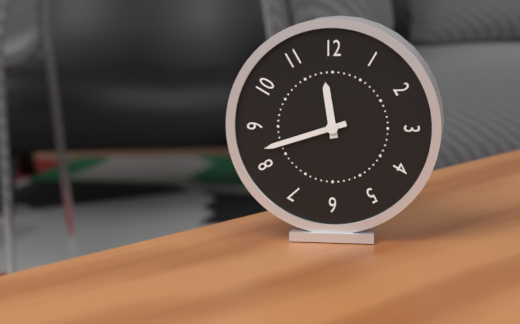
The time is 11:42
